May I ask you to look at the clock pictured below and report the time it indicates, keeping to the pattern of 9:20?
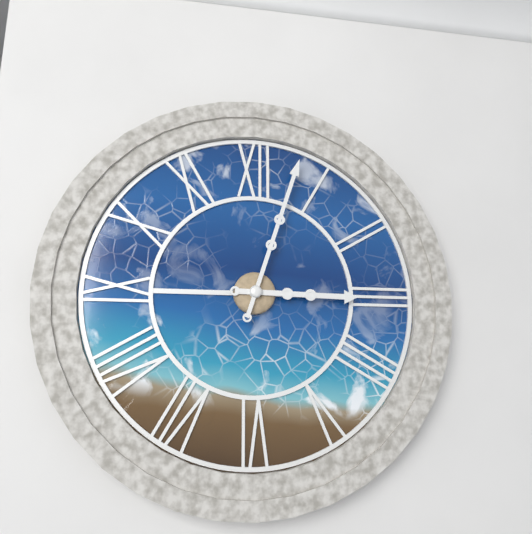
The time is 3:03
